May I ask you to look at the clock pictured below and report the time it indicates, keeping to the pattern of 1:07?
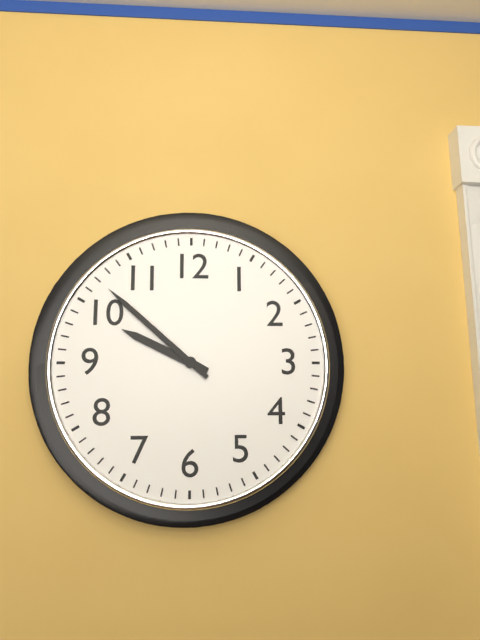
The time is 9:52
